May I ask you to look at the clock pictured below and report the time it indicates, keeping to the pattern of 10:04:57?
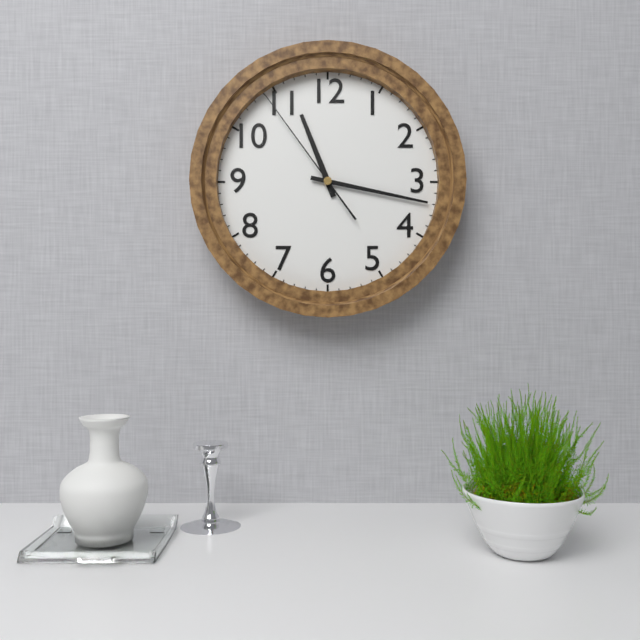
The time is 11:17:54
